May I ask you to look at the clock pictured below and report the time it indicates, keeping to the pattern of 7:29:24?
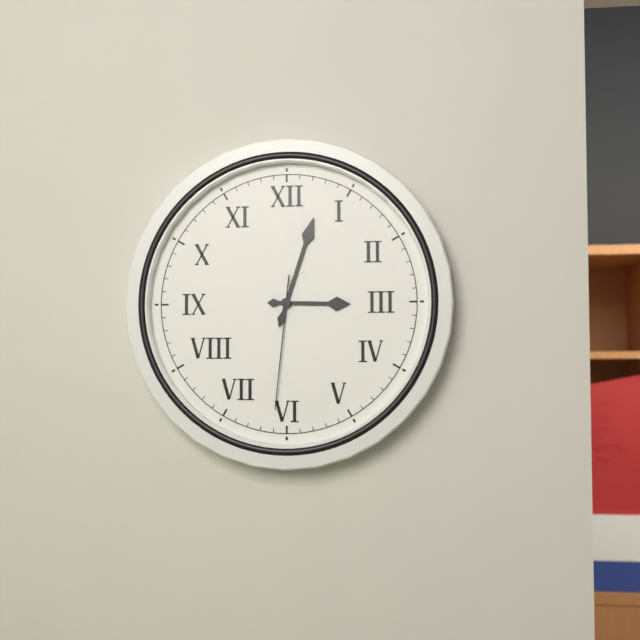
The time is 3:03:31
